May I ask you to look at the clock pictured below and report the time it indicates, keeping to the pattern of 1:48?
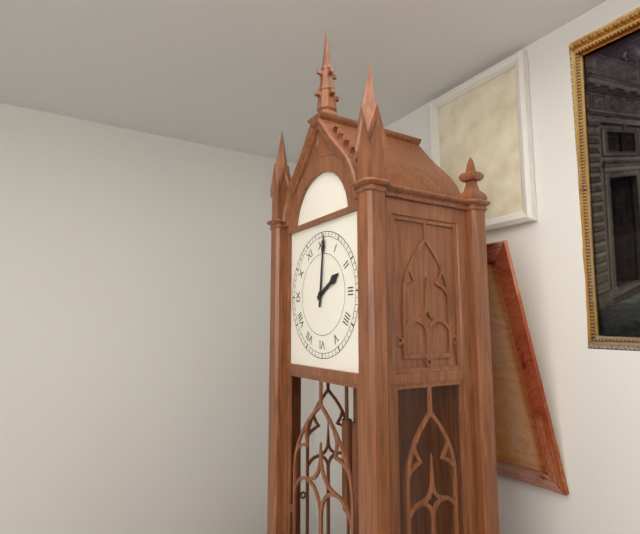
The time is 2:01
